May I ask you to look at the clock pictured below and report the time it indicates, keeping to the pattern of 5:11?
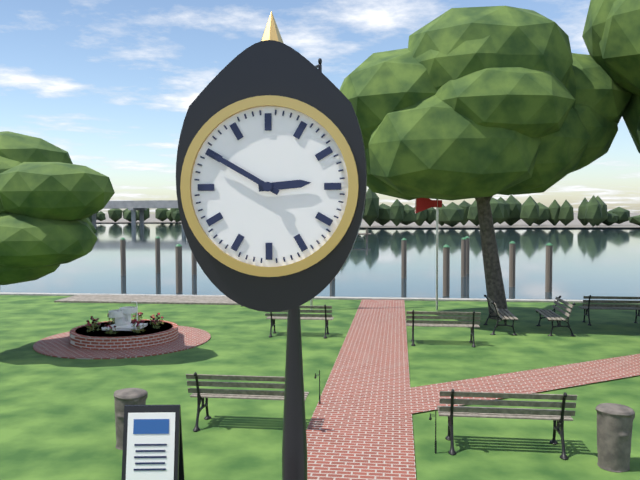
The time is 2:50
